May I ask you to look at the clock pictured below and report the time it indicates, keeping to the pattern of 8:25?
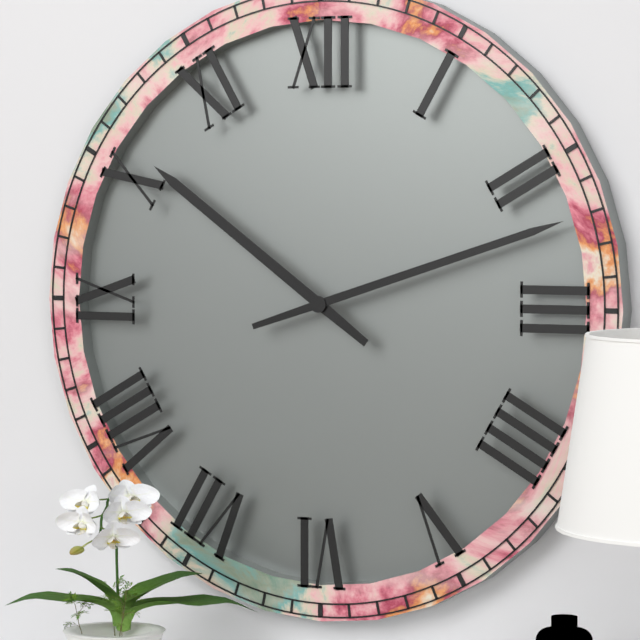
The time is 10:12
